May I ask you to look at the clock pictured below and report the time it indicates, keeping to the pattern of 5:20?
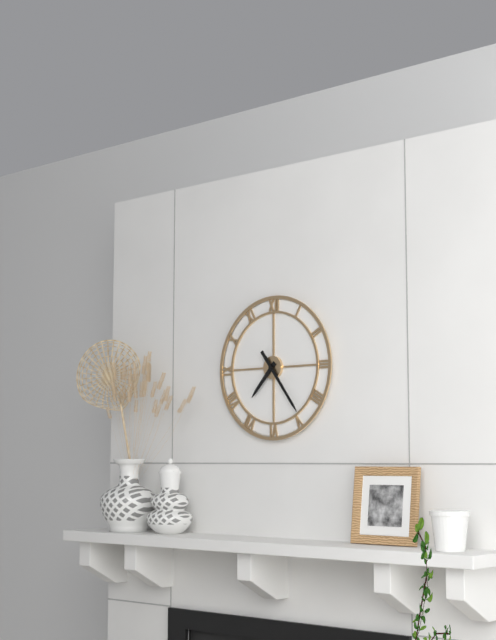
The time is 7:24
